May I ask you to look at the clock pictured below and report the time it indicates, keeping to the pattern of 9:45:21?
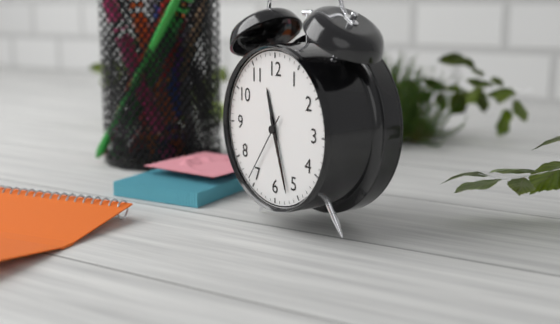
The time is 11:27:36
